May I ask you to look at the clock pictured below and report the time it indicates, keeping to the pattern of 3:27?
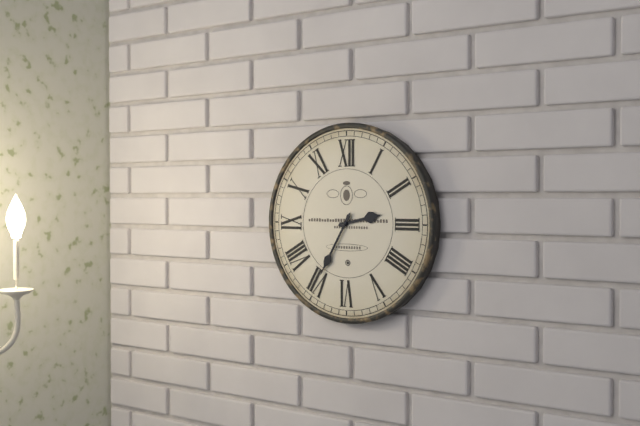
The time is 2:35
